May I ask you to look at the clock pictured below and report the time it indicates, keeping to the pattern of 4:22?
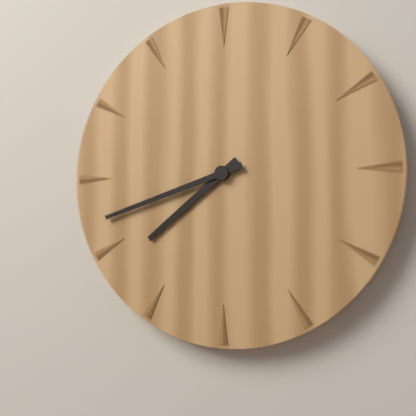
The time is 7:42
